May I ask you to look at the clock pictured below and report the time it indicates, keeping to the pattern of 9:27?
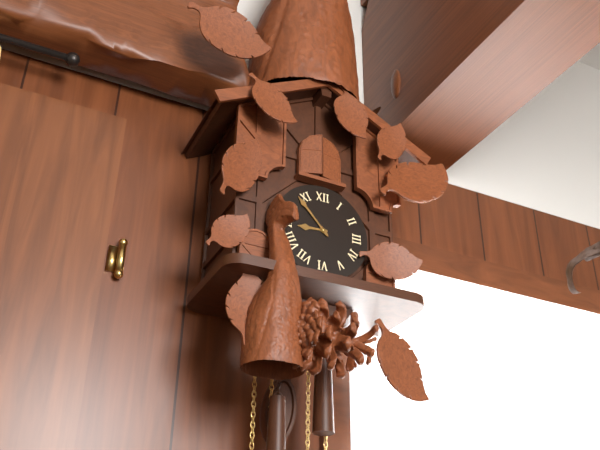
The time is 8:53
